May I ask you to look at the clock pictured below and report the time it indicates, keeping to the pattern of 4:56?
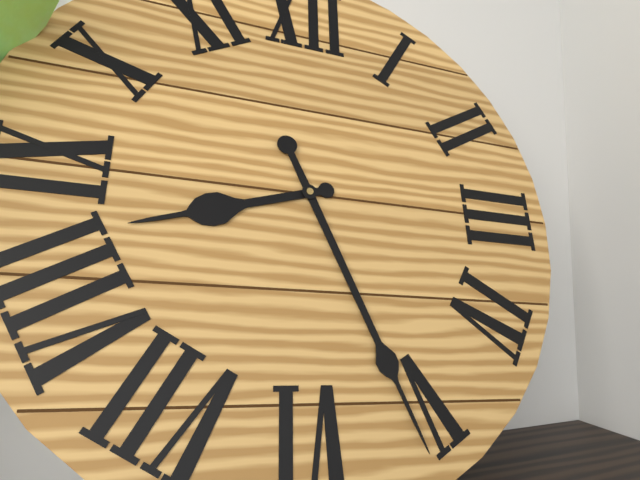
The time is 8:26
